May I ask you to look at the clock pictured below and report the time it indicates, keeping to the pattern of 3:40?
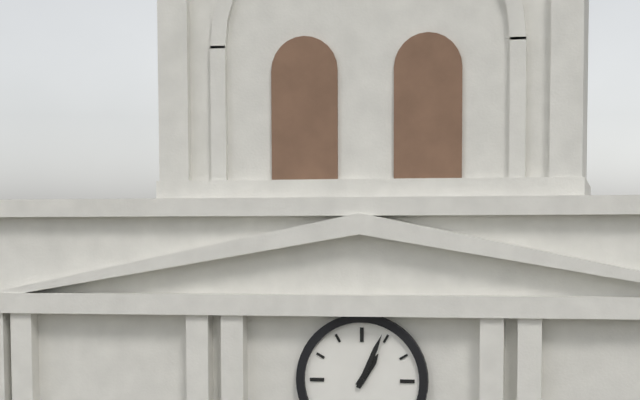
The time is 1:04
